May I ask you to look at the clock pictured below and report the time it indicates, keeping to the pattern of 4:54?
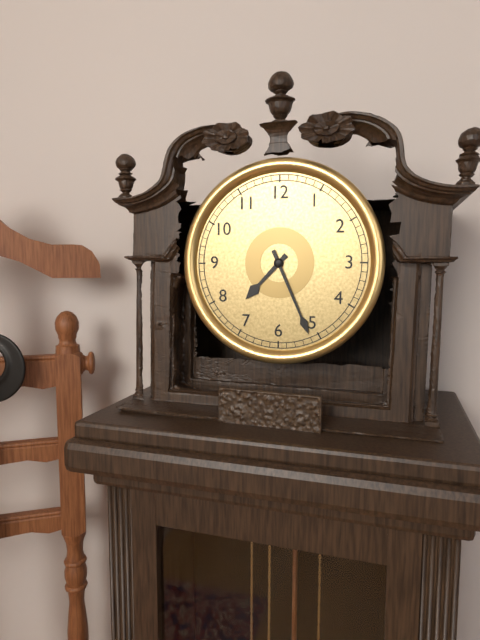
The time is 7:26
